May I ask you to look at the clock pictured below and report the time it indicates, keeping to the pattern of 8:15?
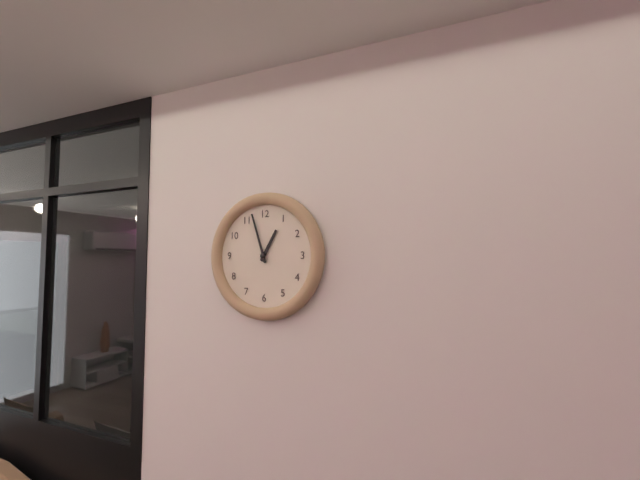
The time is 12:57
